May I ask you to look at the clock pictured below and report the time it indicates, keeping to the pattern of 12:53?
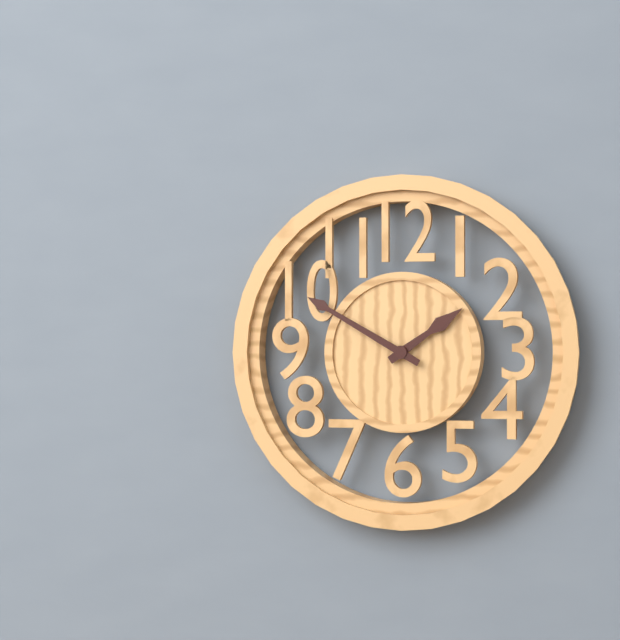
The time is 1:50
